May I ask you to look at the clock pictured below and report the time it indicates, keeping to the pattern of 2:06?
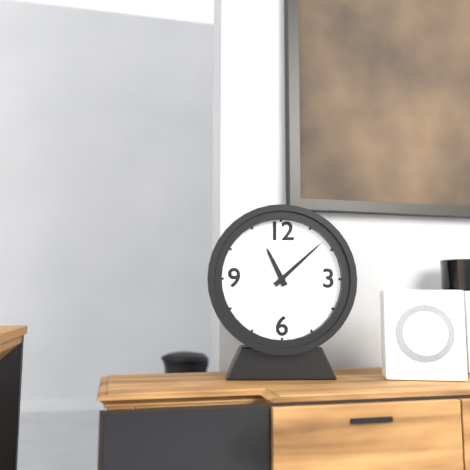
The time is 11:08
